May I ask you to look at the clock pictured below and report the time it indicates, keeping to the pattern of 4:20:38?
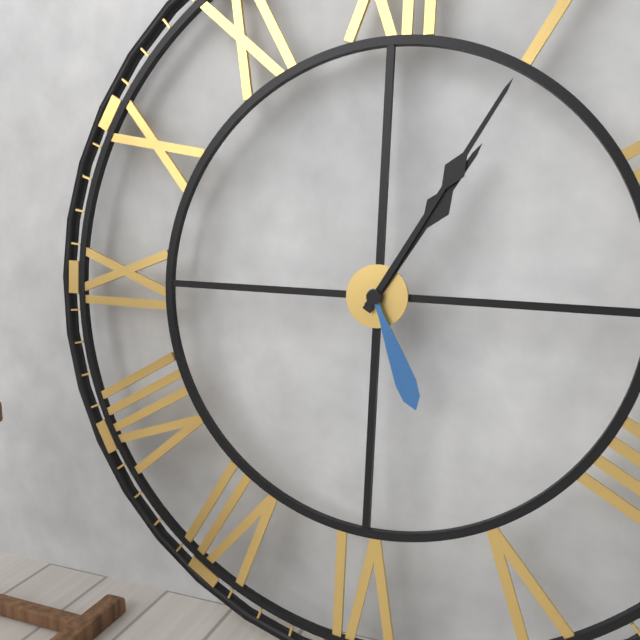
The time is 1:05:26
